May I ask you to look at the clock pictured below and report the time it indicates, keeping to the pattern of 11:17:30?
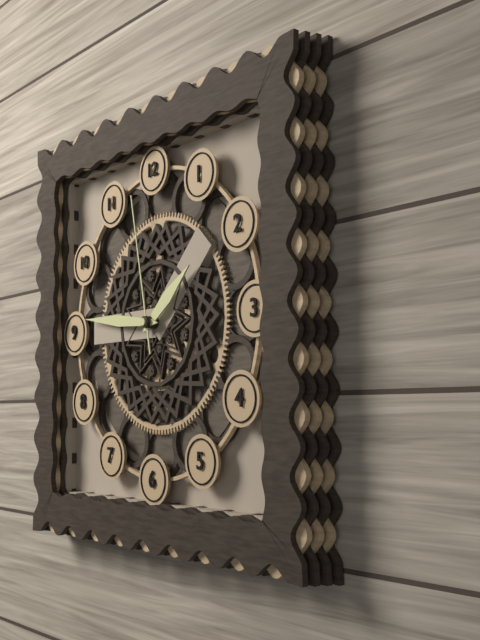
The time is 1:46:58
